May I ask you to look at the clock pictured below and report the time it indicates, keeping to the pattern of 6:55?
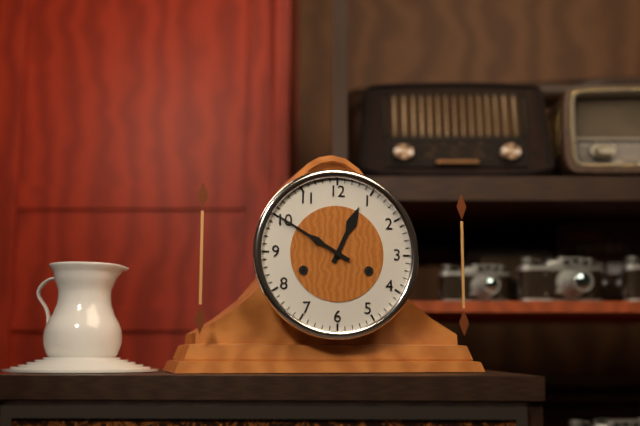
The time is 12:50
